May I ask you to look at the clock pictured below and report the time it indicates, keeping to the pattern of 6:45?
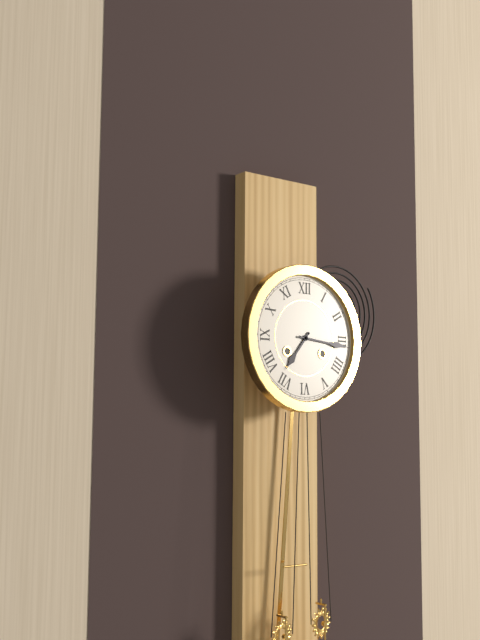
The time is 7:16
